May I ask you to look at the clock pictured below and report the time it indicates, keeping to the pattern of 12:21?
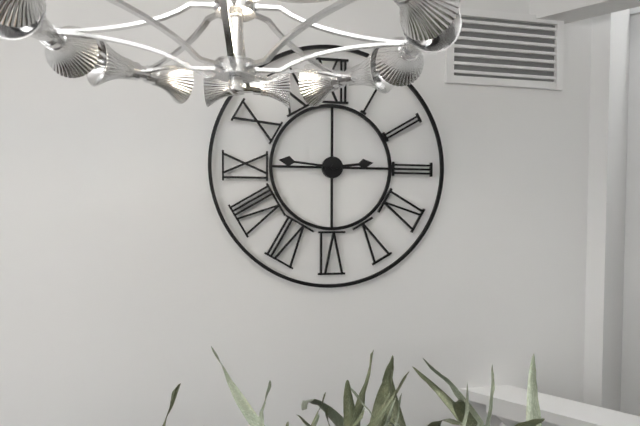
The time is 2:46
